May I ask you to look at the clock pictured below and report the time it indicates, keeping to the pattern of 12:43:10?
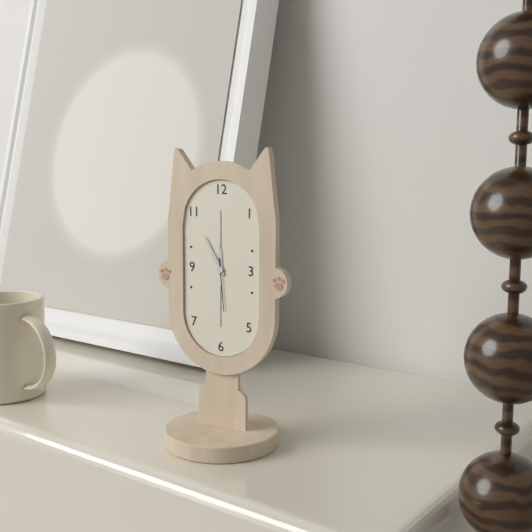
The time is 11:55:29
